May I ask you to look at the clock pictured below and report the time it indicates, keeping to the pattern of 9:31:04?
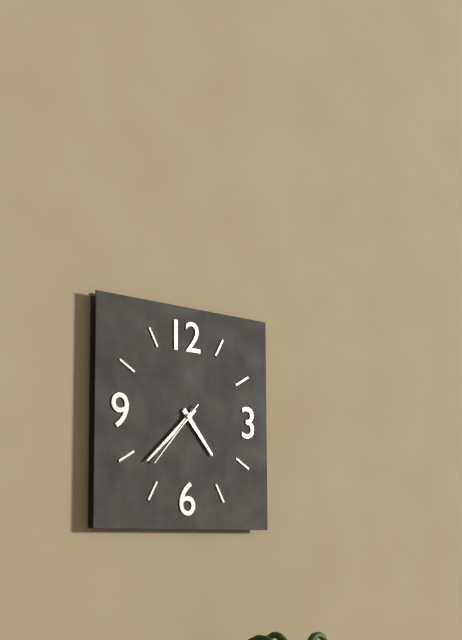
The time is 4:38:37
